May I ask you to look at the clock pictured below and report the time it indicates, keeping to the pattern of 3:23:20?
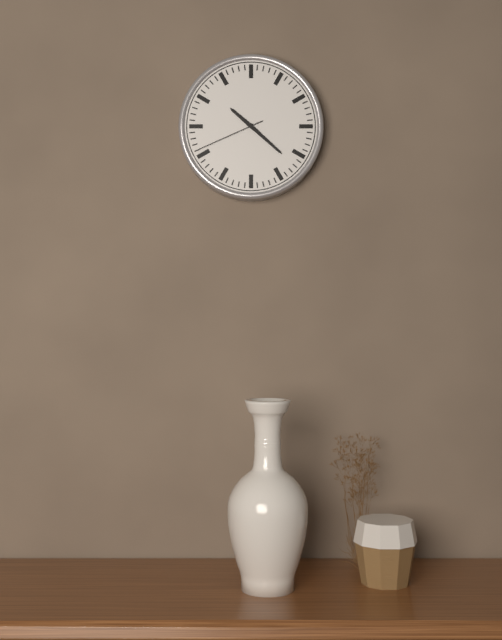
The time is 10:22:41
